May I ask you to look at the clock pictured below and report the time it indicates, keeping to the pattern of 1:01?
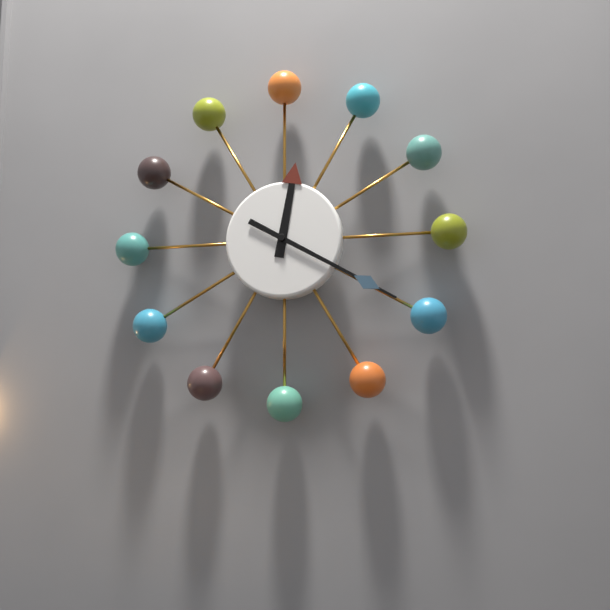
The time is 12:20
